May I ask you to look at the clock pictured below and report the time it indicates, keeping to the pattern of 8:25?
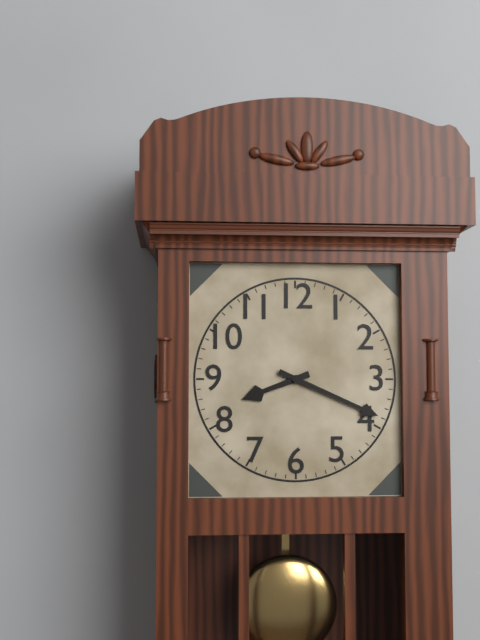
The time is 8:19
